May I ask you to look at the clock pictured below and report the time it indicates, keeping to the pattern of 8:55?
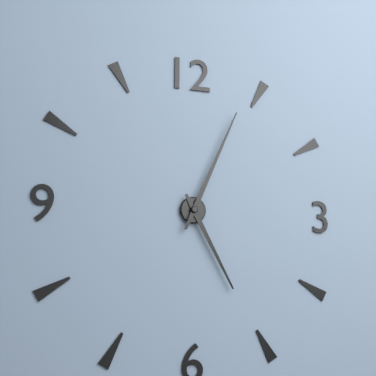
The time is 5:04
